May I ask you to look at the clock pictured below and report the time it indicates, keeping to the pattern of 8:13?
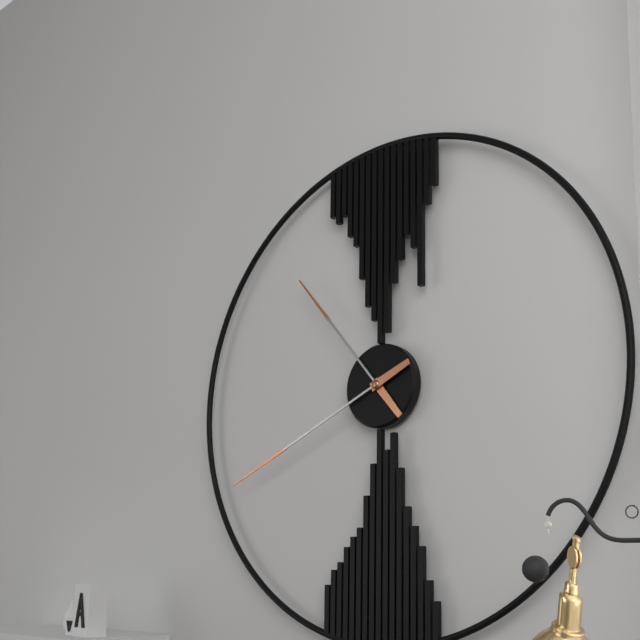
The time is 10:41
